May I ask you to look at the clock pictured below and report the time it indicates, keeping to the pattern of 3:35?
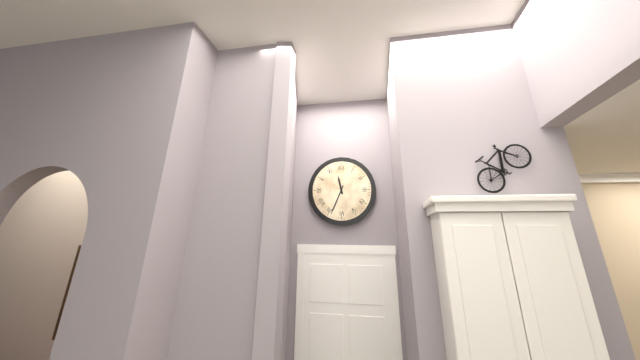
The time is 11:34
